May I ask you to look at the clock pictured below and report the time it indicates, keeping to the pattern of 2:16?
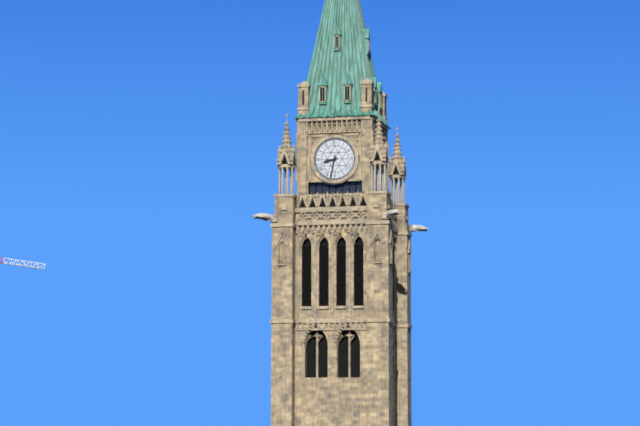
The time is 8:32
